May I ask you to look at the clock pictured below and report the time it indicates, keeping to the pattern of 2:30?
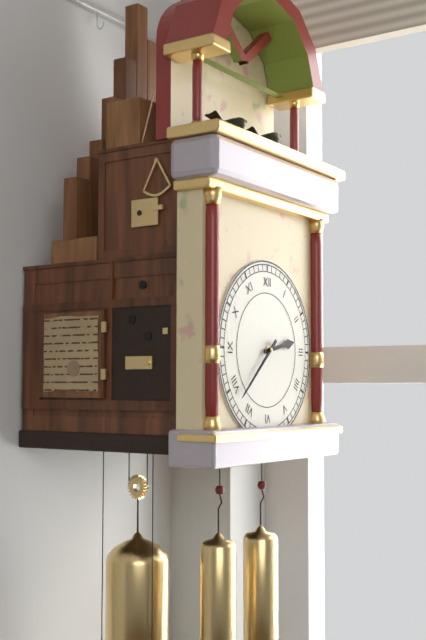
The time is 2:38
